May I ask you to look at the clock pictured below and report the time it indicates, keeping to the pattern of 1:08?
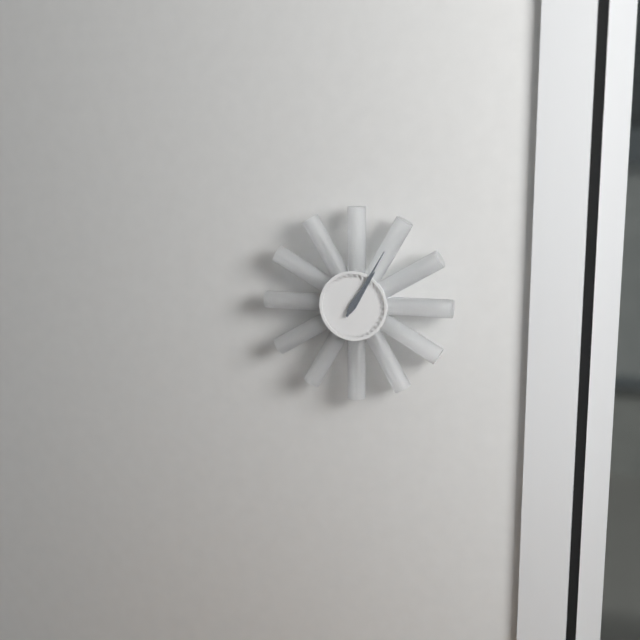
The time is 1:05
